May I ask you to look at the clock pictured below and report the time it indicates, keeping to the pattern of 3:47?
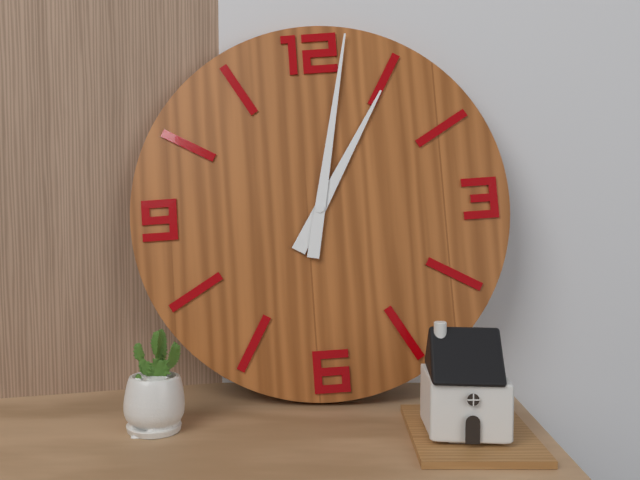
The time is 1:02
